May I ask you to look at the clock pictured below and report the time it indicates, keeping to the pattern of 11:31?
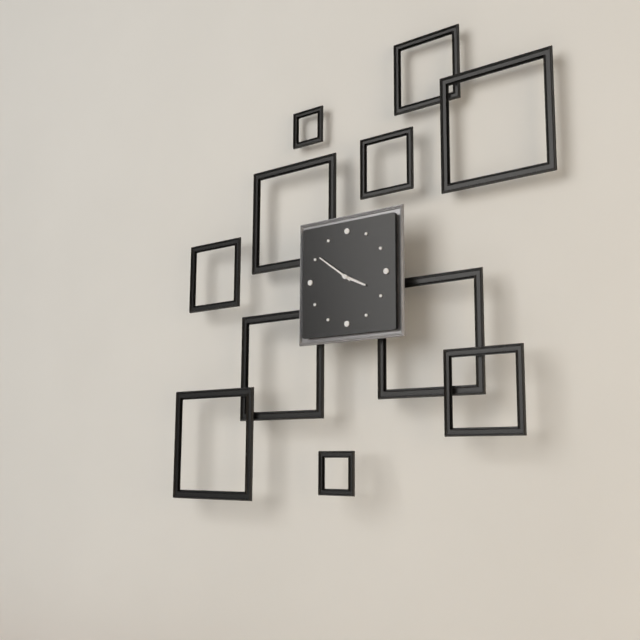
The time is 3:51
